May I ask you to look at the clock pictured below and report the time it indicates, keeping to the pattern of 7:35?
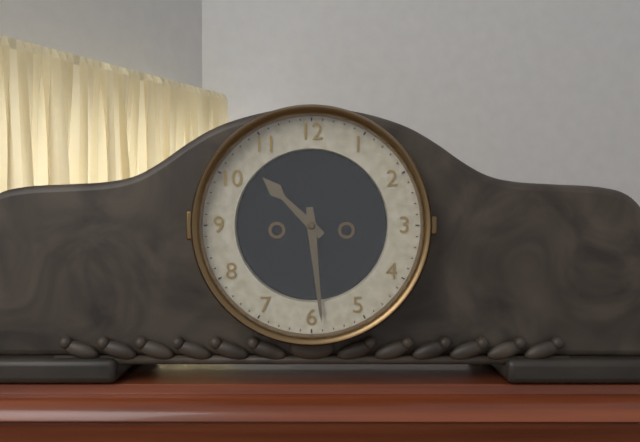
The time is 10:29
